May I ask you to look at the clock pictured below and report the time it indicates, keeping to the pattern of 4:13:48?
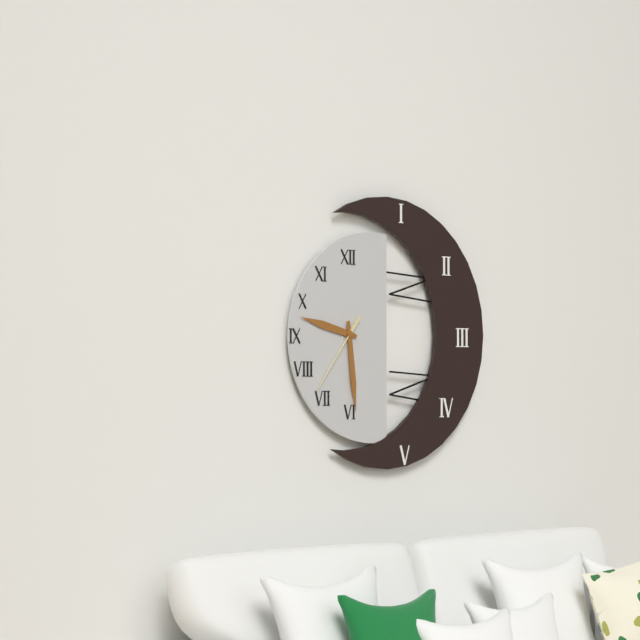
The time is 9:29:36
